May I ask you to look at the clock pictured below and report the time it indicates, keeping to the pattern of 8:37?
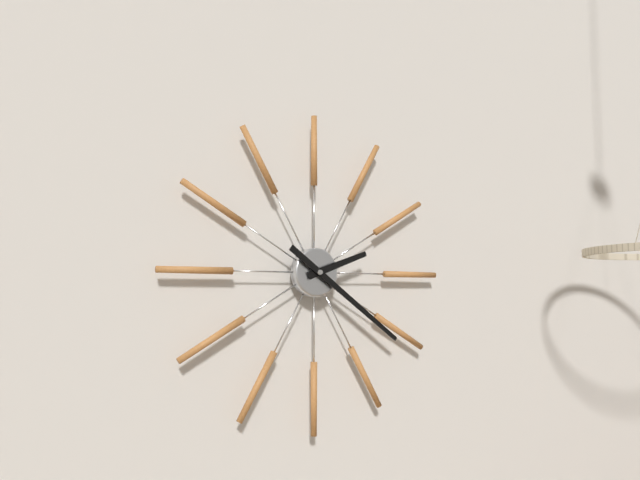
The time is 2:21
